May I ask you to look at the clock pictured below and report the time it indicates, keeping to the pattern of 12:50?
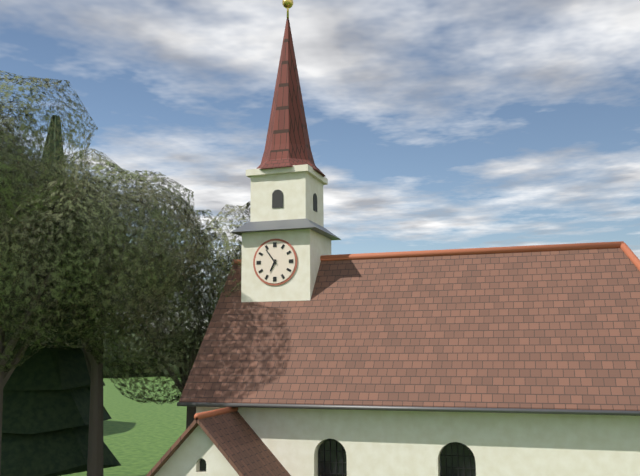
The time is 6:54
